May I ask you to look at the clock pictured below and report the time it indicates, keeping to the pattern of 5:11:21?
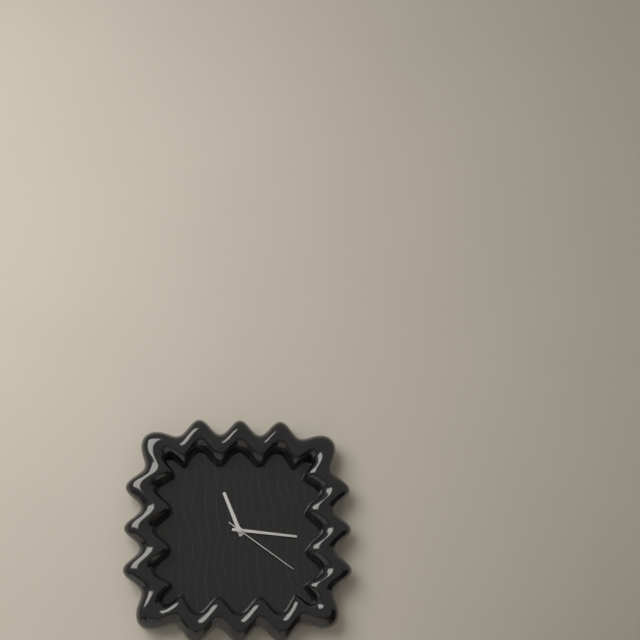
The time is 11:16:21
